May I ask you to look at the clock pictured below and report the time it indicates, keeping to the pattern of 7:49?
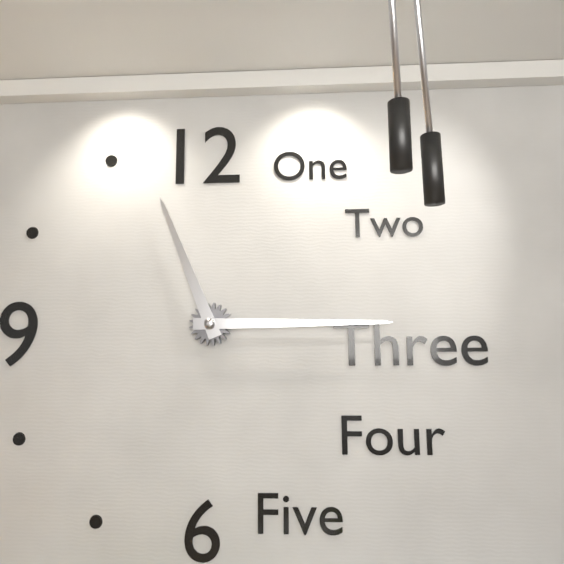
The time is 11:15
